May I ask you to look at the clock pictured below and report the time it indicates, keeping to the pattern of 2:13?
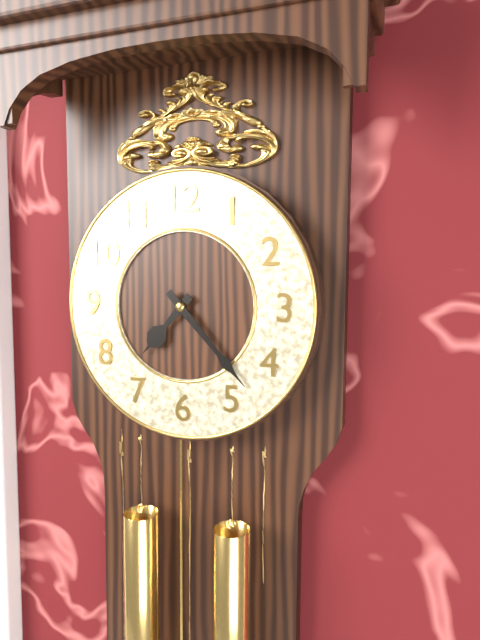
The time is 7:23
